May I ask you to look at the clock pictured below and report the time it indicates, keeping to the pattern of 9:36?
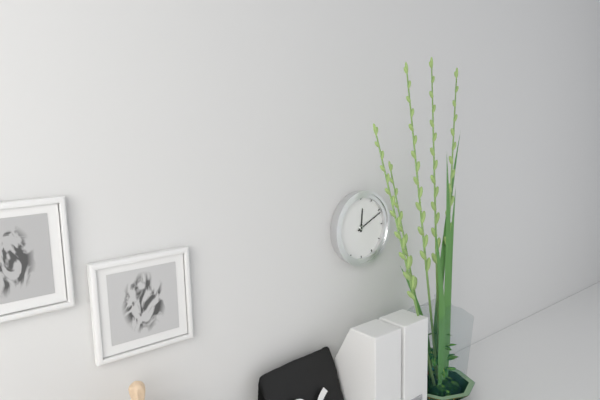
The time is 12:11
